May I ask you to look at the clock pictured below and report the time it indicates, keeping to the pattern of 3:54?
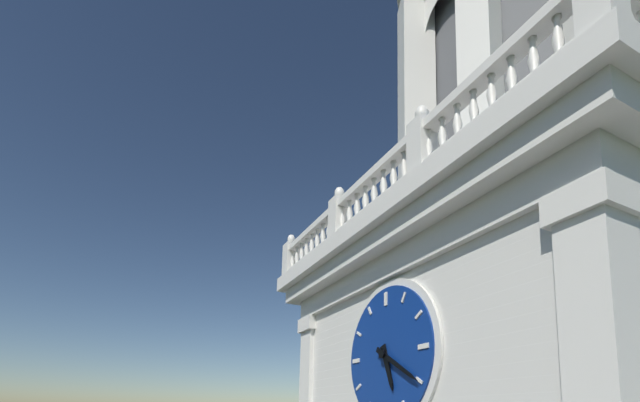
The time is 5:20
